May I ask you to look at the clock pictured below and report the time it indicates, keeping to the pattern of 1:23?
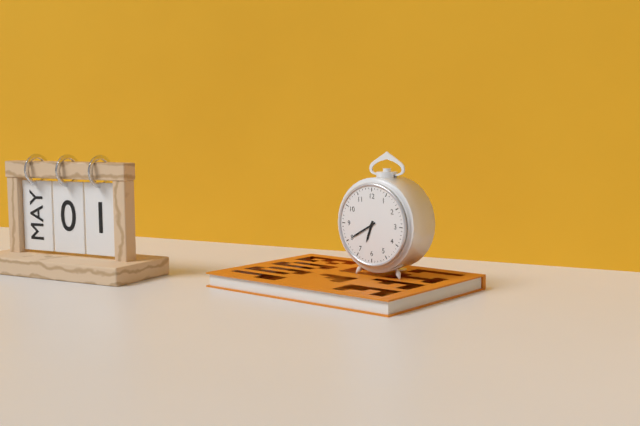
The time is 6:40
